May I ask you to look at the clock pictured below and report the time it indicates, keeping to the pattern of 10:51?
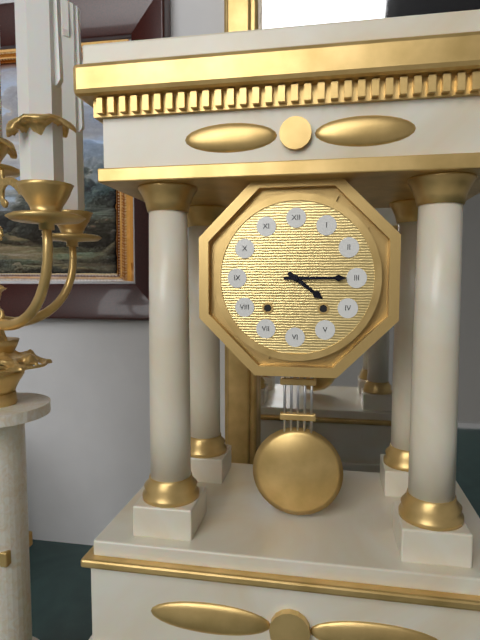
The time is 4:15
